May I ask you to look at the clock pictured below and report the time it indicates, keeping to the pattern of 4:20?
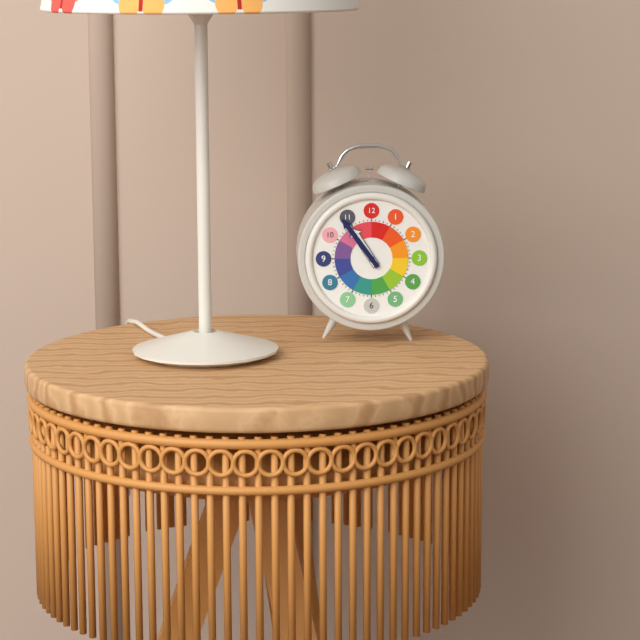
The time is 10:54
